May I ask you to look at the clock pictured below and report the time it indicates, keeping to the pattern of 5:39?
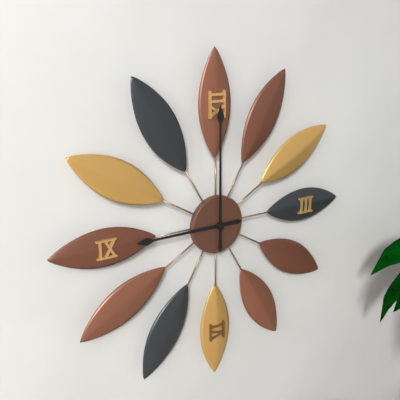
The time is 9:00
